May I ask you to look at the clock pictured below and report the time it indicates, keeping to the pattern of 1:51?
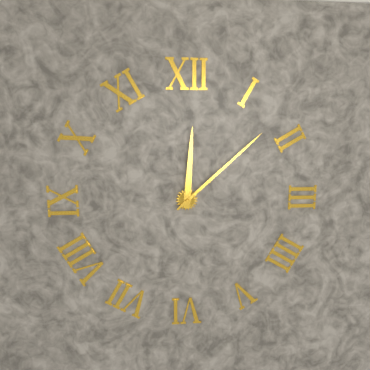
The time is 12:08
